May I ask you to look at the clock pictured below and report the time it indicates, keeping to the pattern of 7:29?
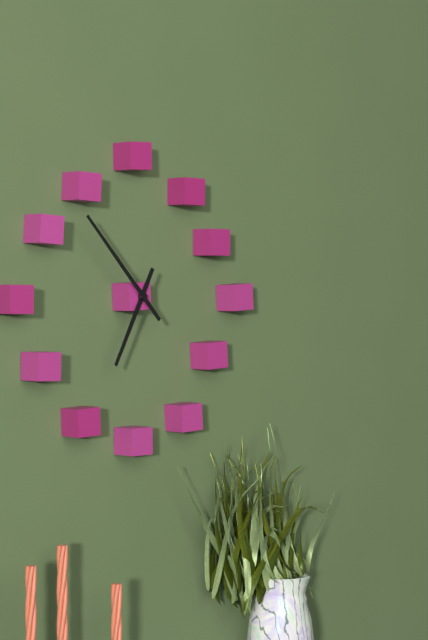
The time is 6:53
